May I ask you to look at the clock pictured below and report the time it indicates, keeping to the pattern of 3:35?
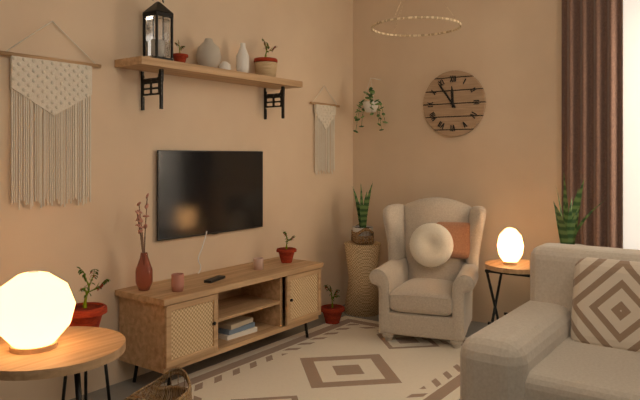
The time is 11:54
